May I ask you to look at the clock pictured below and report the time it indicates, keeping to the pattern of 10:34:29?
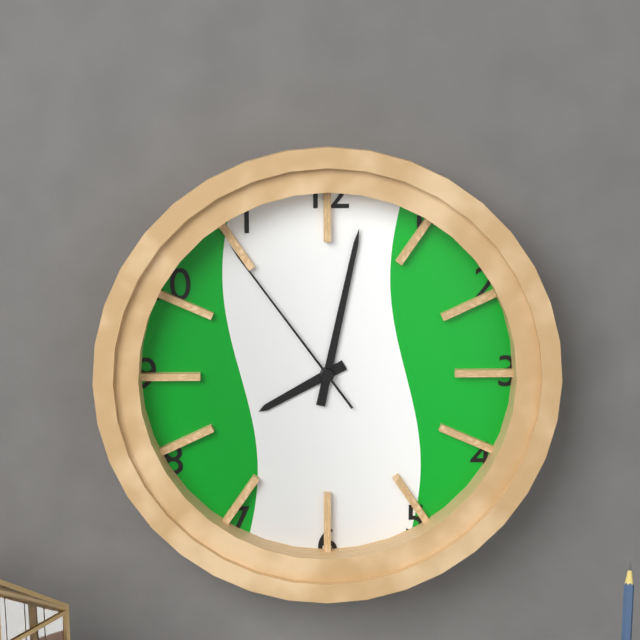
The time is 8:02:54
